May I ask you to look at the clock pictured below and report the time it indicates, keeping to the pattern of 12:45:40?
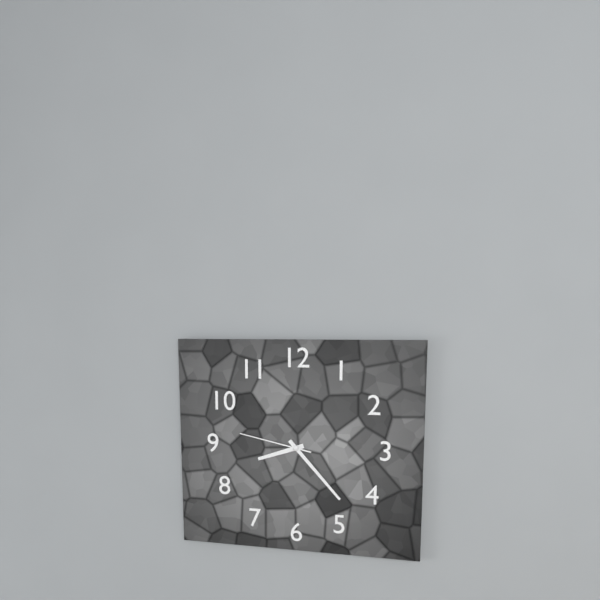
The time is 8:23:47
